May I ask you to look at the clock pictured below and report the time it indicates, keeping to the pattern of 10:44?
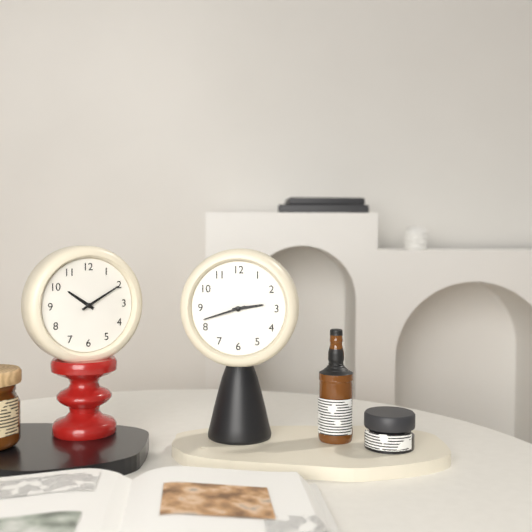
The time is 2:42
